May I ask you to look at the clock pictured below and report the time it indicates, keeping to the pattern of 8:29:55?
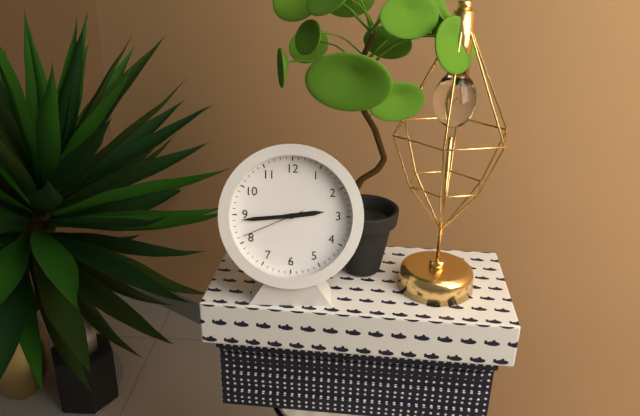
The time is 2:44:41
